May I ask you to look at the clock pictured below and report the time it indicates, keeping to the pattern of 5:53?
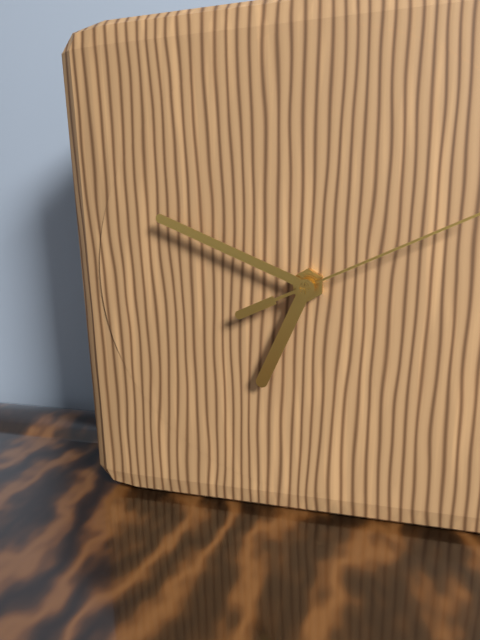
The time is 6:49
